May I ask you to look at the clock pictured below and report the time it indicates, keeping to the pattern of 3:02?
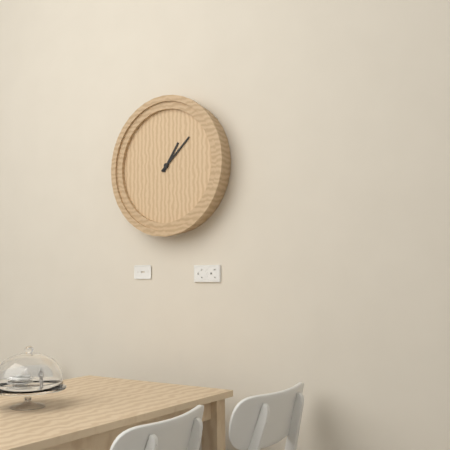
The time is 1:08
